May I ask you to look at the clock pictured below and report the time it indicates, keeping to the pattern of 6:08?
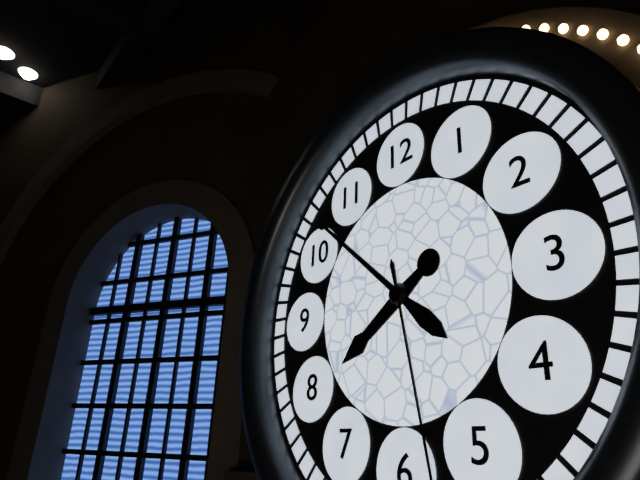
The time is 7:52
